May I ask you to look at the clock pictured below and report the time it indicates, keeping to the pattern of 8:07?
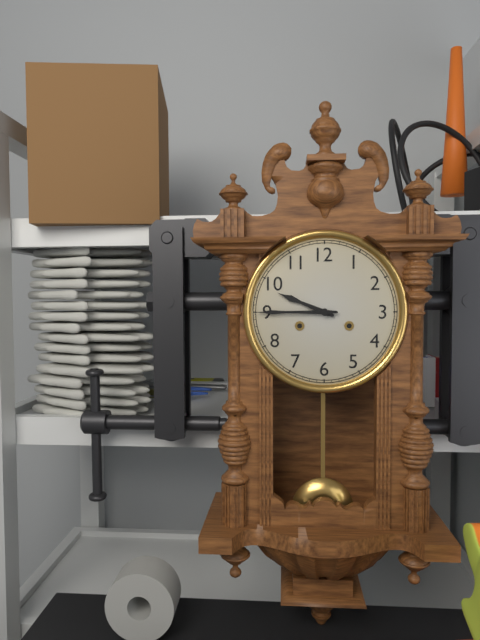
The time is 9:45
